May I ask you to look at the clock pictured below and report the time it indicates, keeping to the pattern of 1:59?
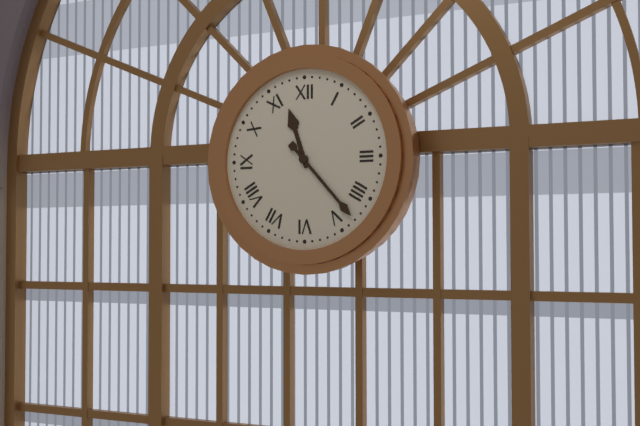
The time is 11:23
